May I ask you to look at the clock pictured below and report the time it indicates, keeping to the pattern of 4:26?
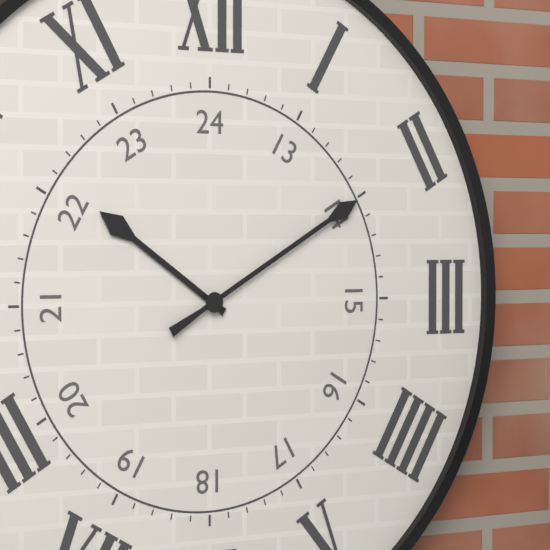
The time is 10:10
